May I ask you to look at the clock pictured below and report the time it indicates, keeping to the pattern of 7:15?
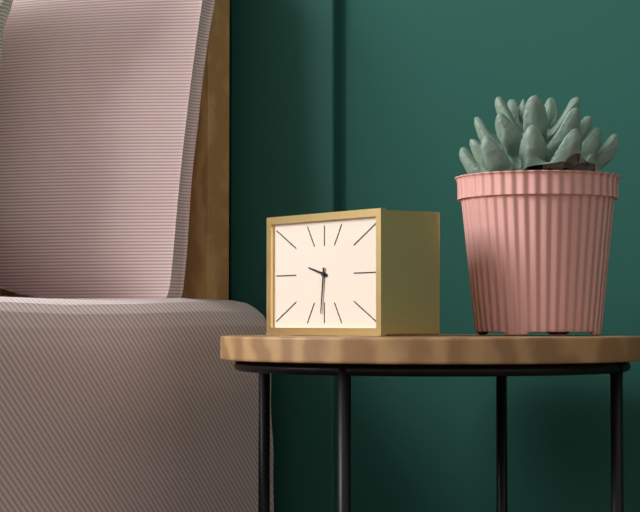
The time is 9:31
